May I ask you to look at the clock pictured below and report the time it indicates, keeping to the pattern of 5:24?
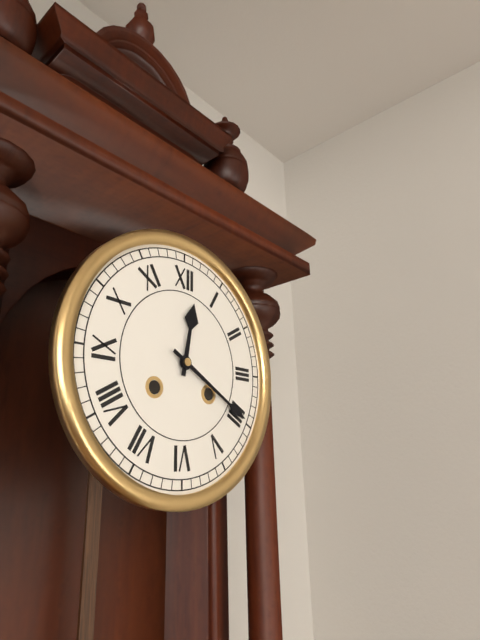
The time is 12:20
